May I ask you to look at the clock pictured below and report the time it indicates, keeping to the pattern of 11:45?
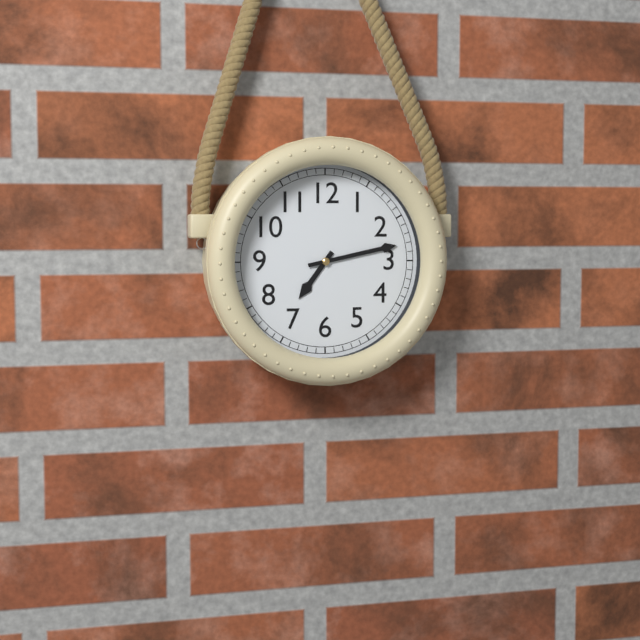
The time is 7:13
